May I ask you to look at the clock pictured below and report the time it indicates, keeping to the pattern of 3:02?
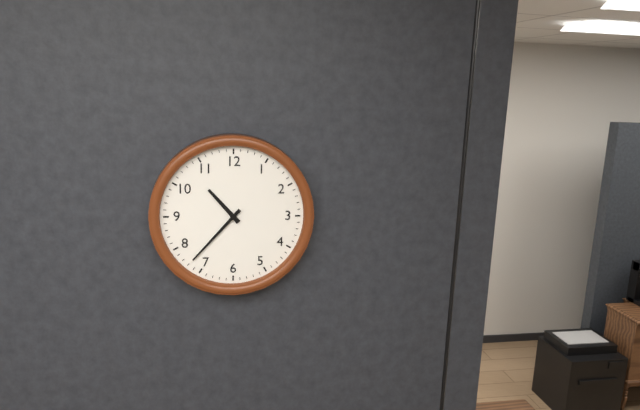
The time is 10:37
